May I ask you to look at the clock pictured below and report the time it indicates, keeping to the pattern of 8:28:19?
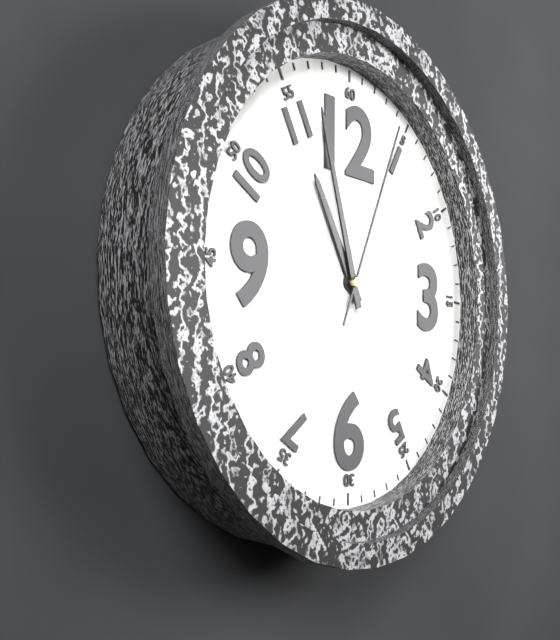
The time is 10:57:04
